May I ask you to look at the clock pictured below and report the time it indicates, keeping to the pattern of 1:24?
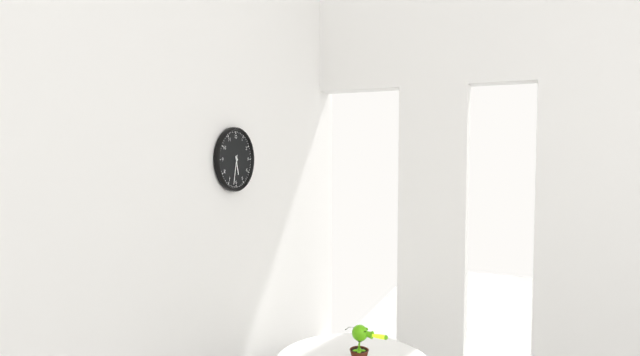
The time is 5:32
